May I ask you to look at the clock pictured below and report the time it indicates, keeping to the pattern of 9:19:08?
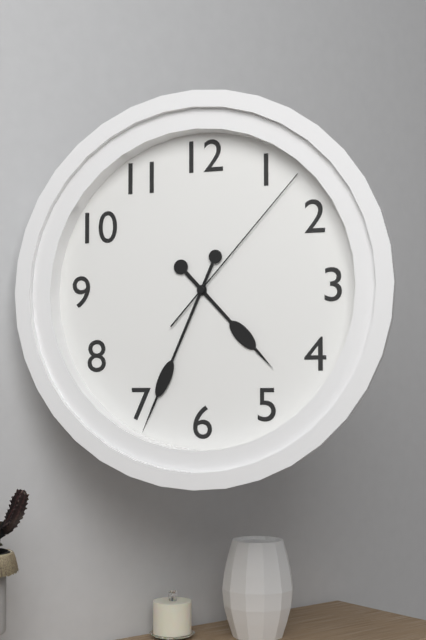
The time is 4:34:07
